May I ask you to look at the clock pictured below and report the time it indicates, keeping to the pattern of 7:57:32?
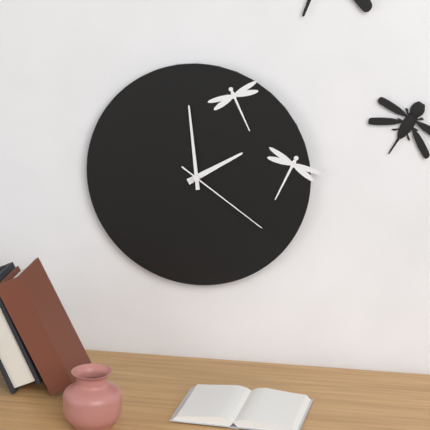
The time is 1:59:21
